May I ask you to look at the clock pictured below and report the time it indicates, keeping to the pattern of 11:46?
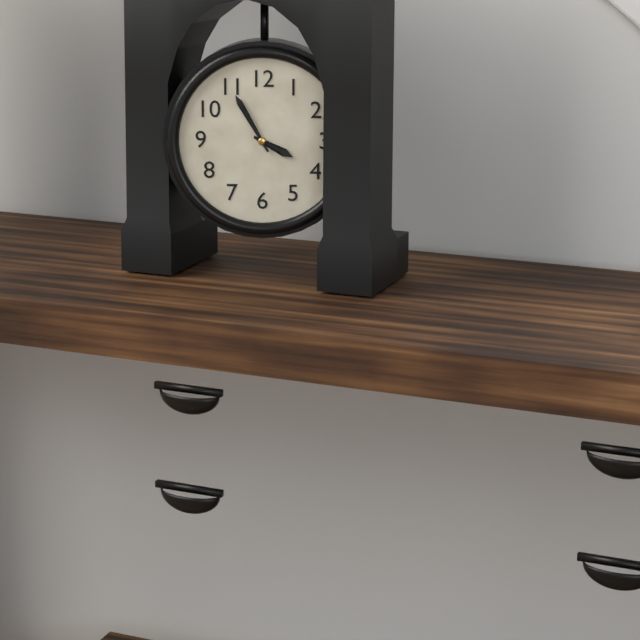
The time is 3:55
